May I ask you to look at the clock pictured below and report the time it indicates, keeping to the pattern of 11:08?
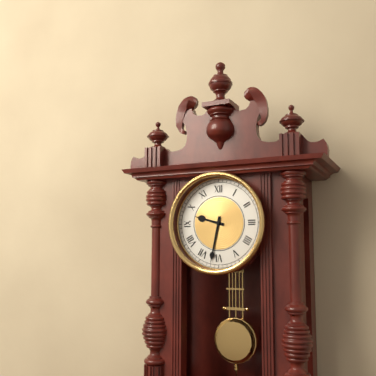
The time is 9:32
